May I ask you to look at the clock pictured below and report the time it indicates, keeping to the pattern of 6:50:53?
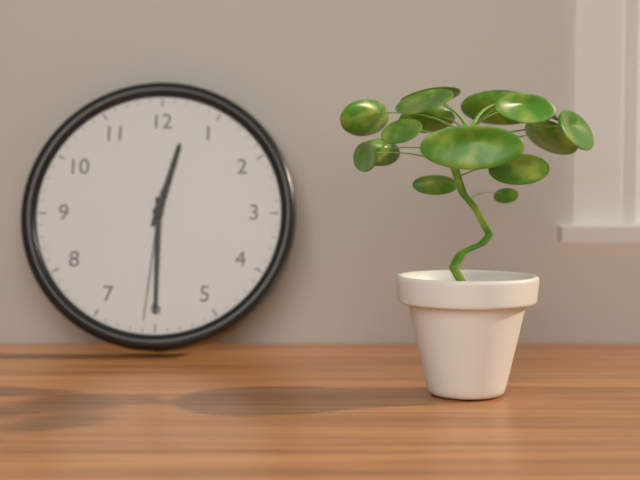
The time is 12:30:31
